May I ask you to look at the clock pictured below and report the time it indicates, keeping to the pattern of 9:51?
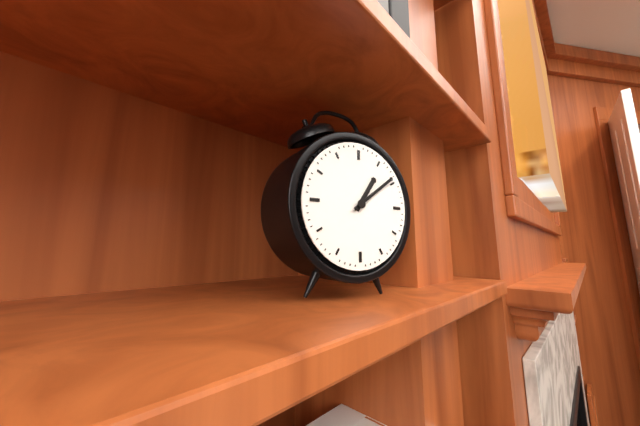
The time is 1:09
